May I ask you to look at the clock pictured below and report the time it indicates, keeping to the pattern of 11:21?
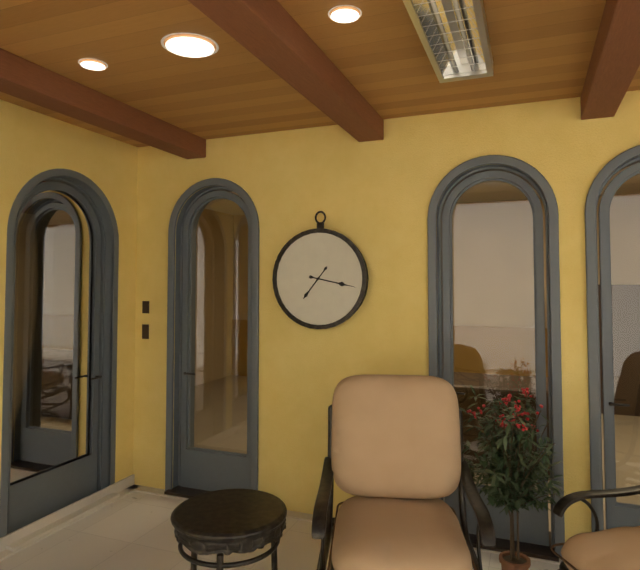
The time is 7:17
